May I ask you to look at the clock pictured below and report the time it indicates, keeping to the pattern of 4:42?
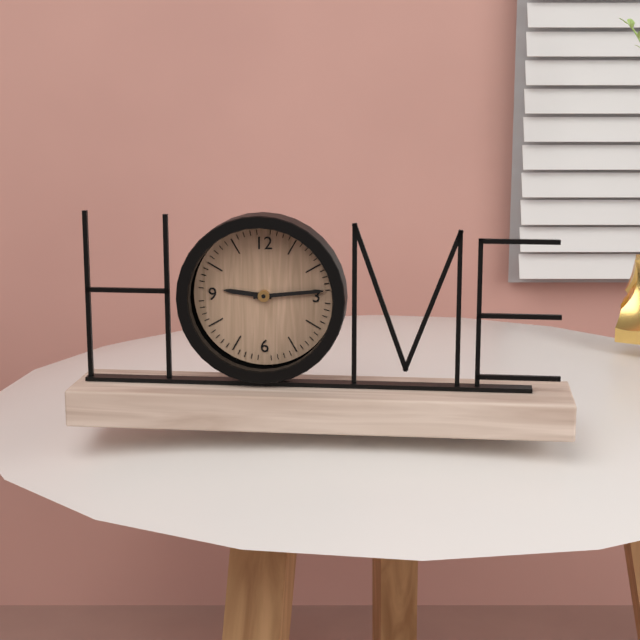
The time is 9:14
